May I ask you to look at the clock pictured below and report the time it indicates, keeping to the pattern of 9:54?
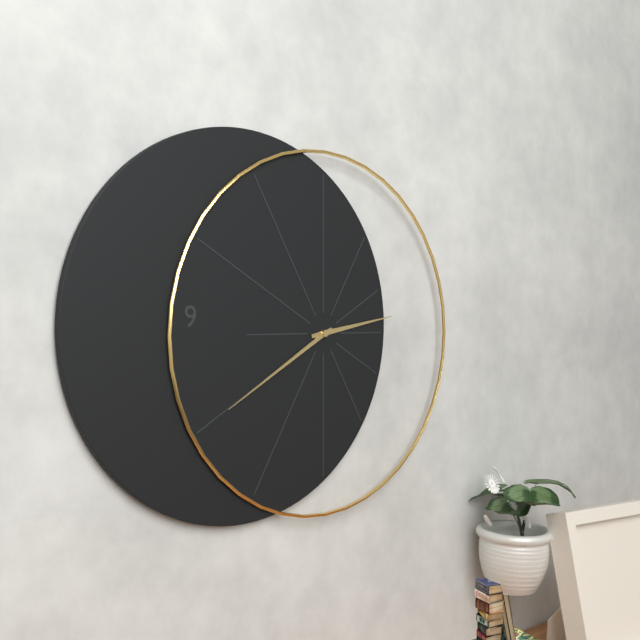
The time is 2:40
